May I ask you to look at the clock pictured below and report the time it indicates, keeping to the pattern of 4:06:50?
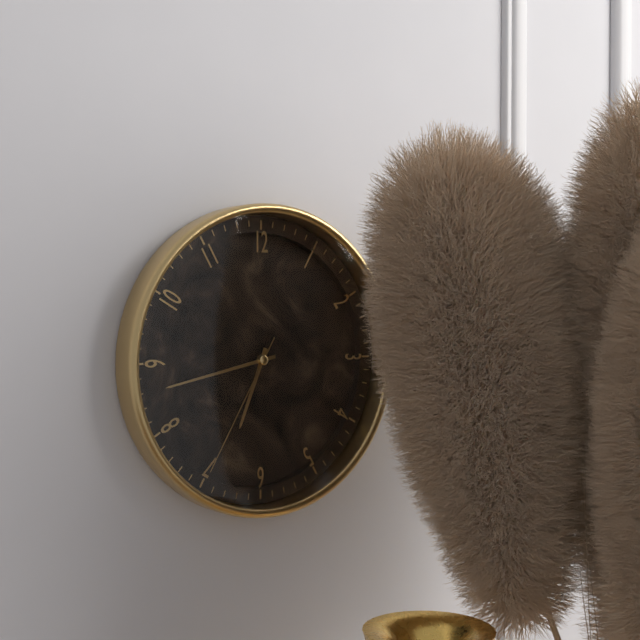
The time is 6:43:35
